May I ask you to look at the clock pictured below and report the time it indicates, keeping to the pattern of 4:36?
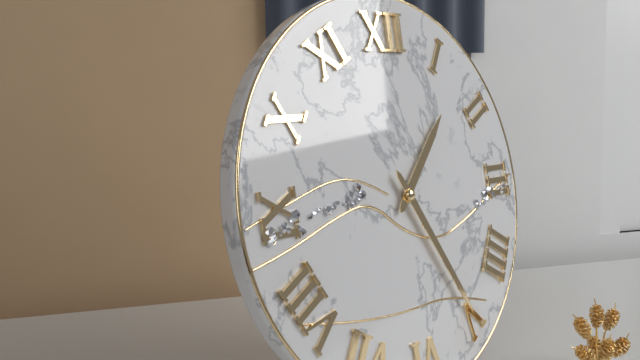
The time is 1:25
